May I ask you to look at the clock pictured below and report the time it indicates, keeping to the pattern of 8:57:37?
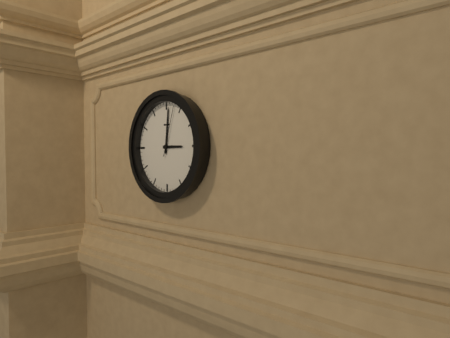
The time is 3:01:03
